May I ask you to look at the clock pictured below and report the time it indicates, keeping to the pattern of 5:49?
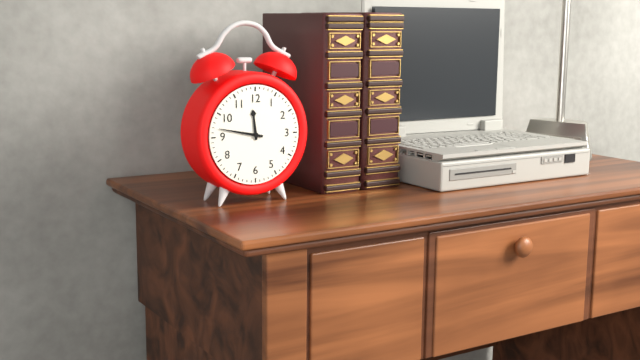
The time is 11:47
